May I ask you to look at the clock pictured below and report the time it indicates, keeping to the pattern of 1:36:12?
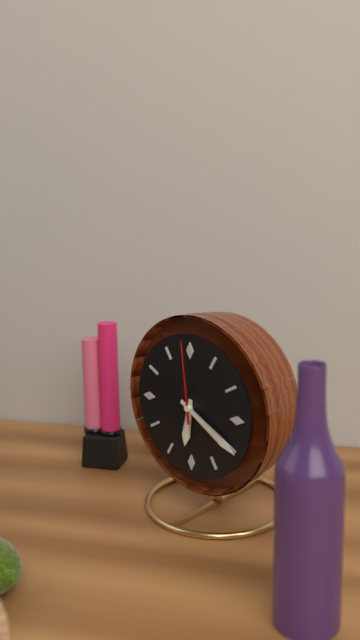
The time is 6:20:59
